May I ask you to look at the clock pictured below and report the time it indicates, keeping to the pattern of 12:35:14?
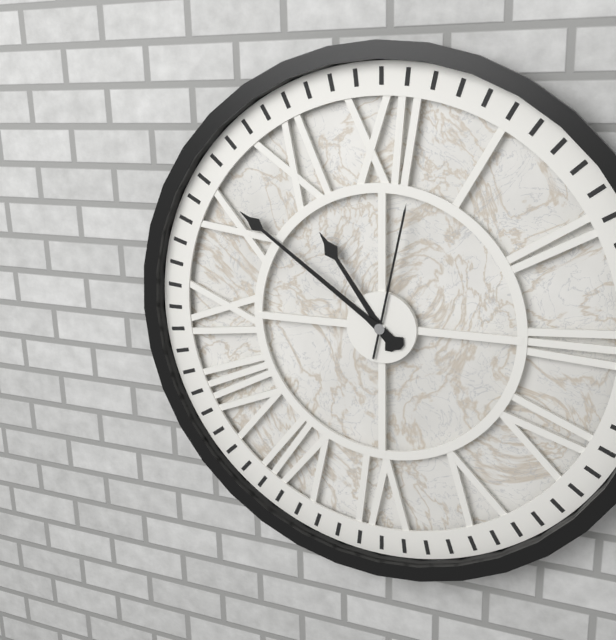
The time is 10:51:02
